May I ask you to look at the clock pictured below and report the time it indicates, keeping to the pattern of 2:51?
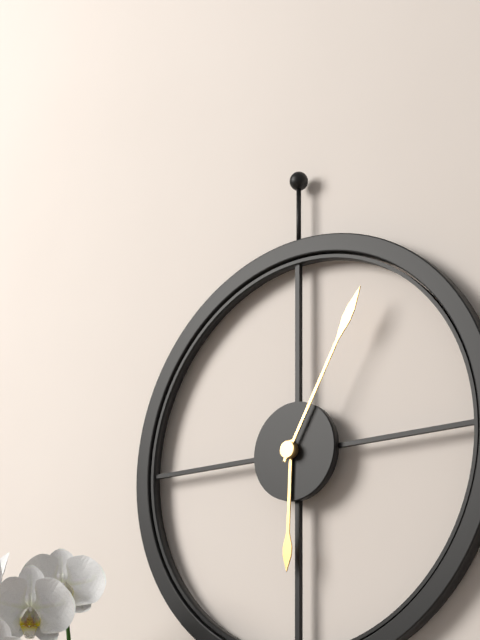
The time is 6:05
